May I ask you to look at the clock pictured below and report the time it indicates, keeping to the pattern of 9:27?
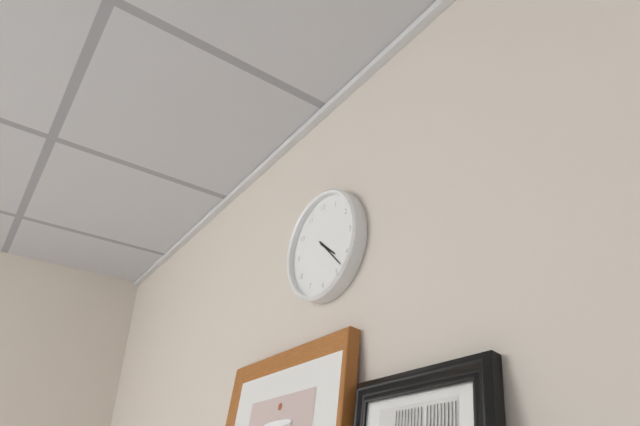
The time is 4:23
